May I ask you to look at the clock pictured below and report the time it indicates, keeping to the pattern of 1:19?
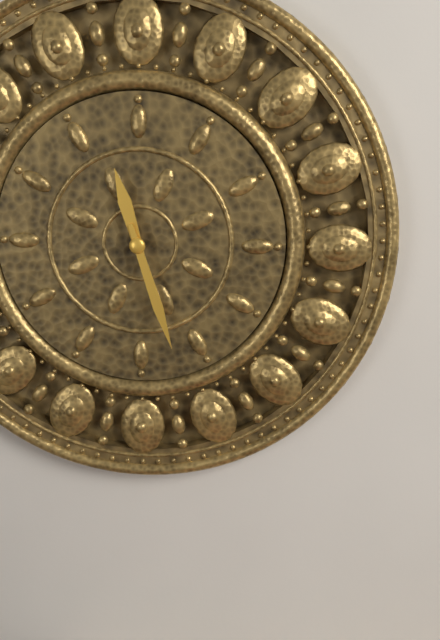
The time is 11:27
